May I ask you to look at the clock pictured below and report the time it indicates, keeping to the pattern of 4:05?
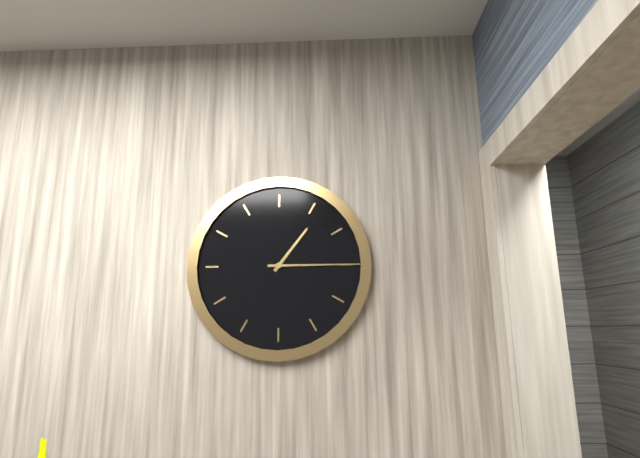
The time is 1:15
